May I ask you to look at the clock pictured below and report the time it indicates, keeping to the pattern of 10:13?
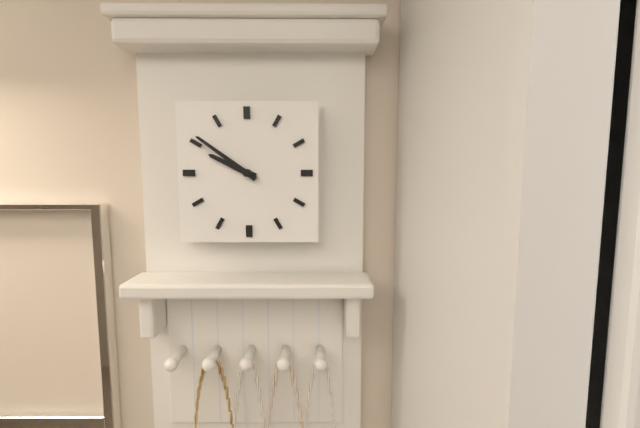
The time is 9:51
